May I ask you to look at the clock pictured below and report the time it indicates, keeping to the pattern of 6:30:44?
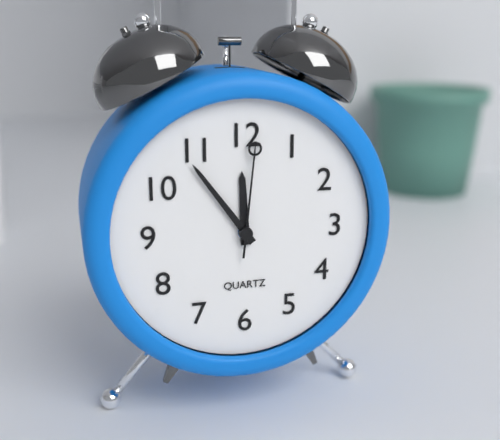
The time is 11:54:01
